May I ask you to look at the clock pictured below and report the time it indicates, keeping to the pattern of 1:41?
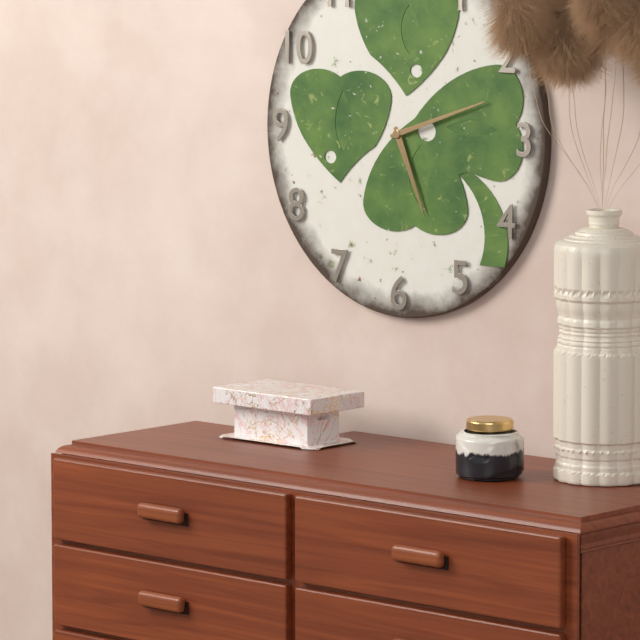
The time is 5:12
